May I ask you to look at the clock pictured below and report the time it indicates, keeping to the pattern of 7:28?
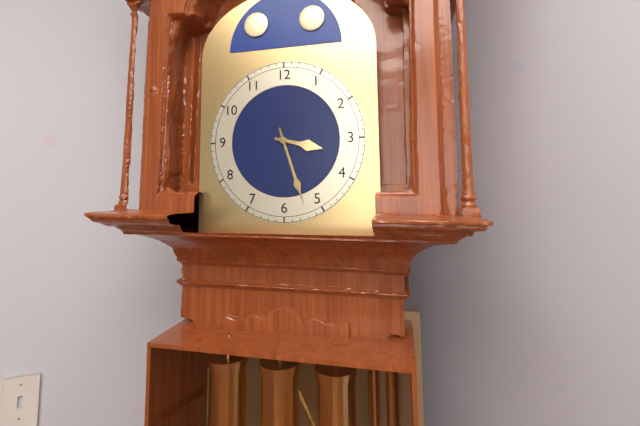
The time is 3:27
